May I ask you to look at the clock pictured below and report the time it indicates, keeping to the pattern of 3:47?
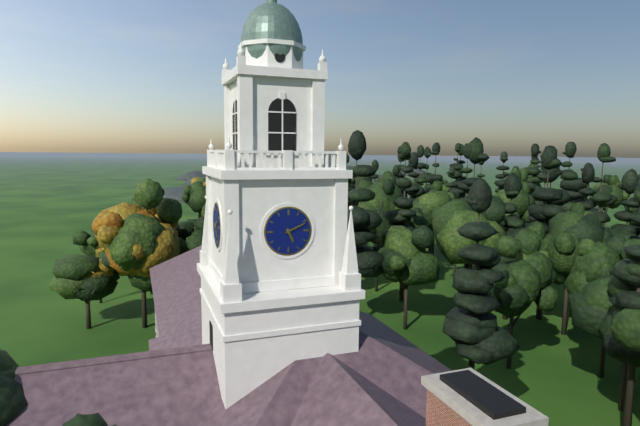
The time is 5:11
